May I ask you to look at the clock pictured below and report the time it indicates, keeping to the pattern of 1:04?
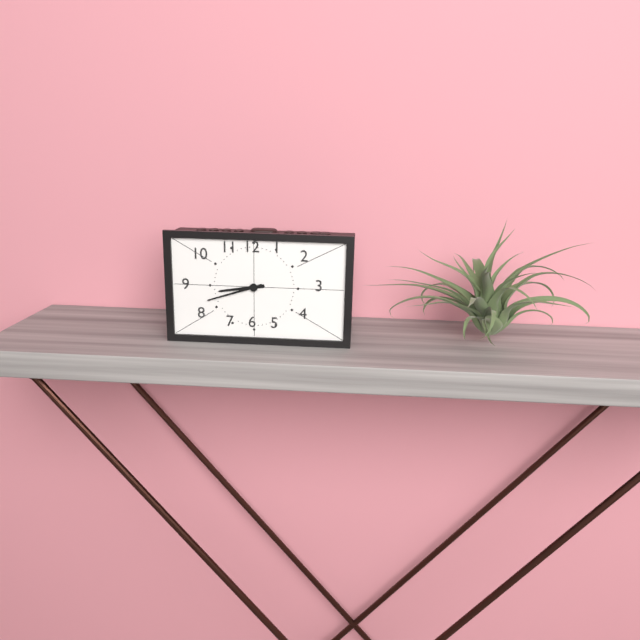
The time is 8:42
